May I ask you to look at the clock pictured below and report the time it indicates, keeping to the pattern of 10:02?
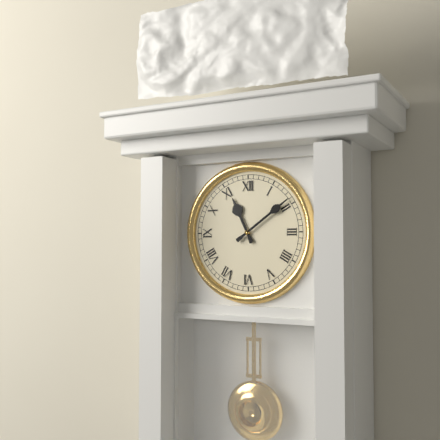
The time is 11:09
